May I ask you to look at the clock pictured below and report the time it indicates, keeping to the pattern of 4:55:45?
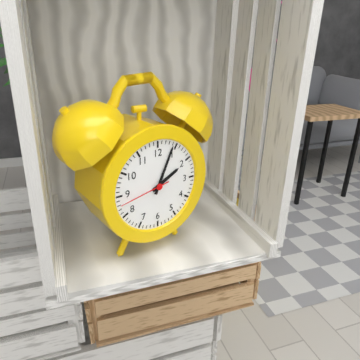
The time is 2:04:43
